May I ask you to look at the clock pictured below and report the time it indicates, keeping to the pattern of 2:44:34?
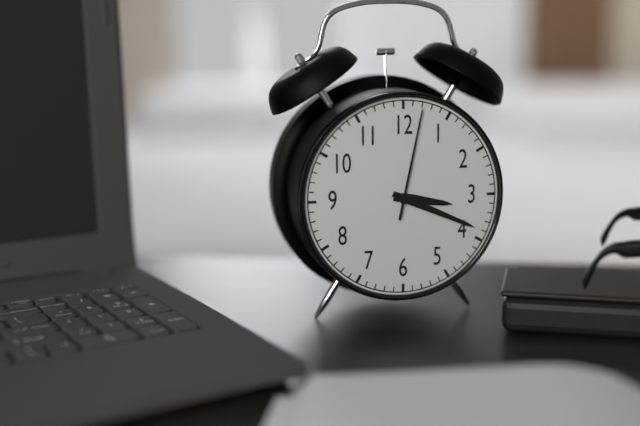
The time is 3:19:02
